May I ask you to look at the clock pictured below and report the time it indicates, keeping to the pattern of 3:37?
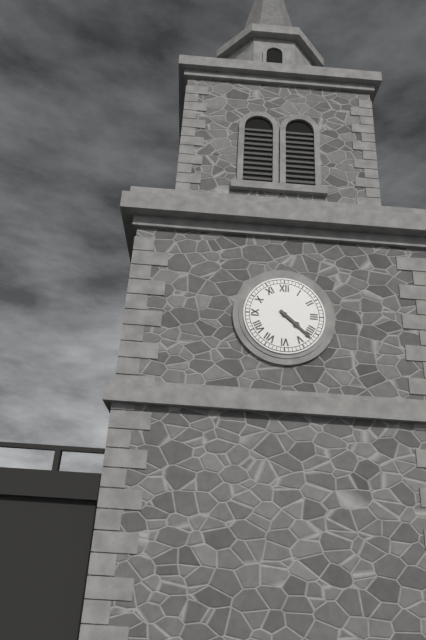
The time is 4:22
